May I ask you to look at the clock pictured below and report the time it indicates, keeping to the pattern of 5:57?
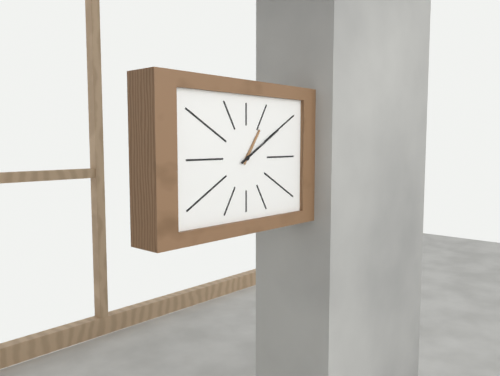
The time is 1:10
